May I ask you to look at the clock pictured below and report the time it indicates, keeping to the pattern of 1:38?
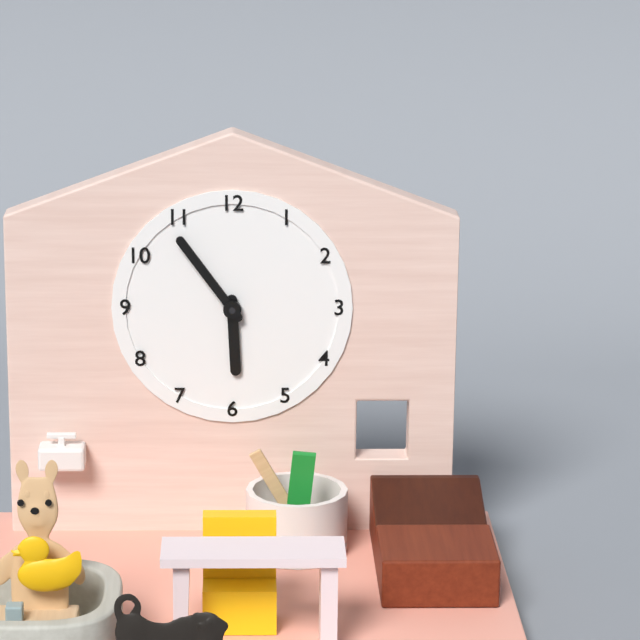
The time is 5:54
